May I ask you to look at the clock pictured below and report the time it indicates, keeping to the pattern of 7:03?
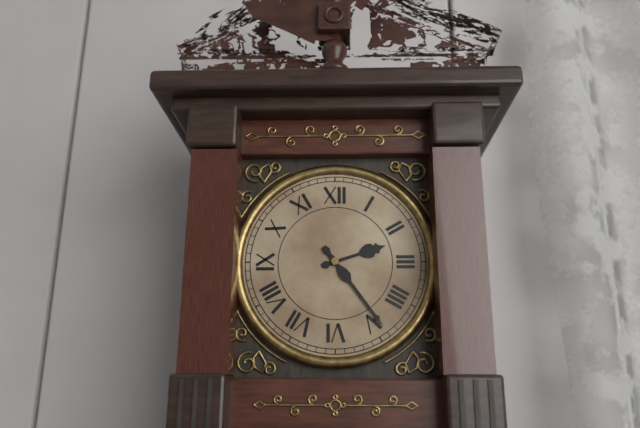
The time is 2:24
